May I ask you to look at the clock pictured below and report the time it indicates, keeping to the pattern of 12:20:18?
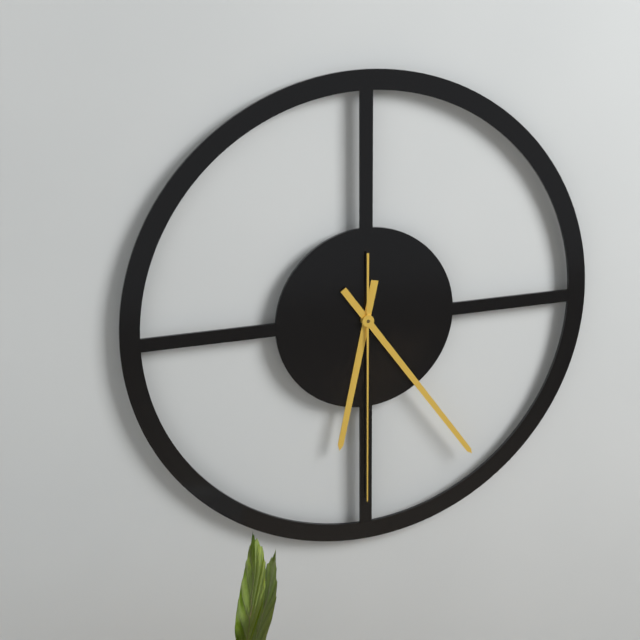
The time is 6:24:30
